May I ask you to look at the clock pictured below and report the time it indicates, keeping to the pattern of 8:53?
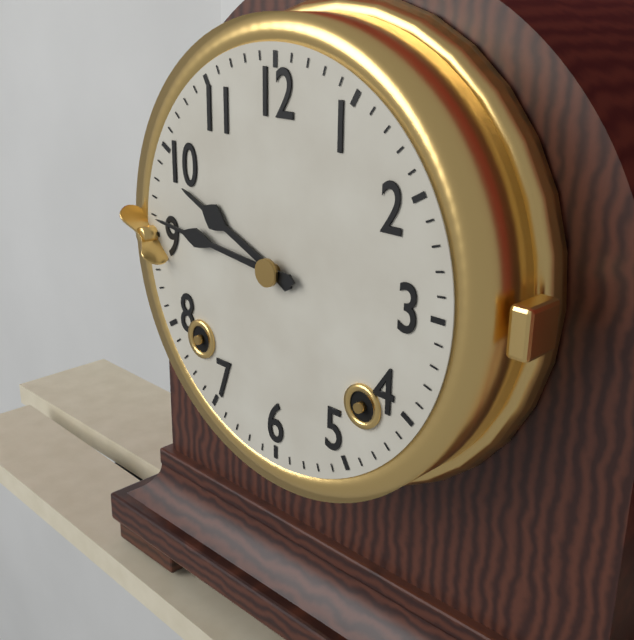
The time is 9:46
